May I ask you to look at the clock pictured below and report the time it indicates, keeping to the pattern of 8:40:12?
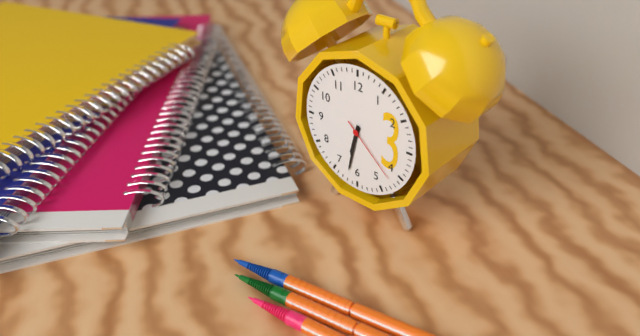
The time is 6:32:22
